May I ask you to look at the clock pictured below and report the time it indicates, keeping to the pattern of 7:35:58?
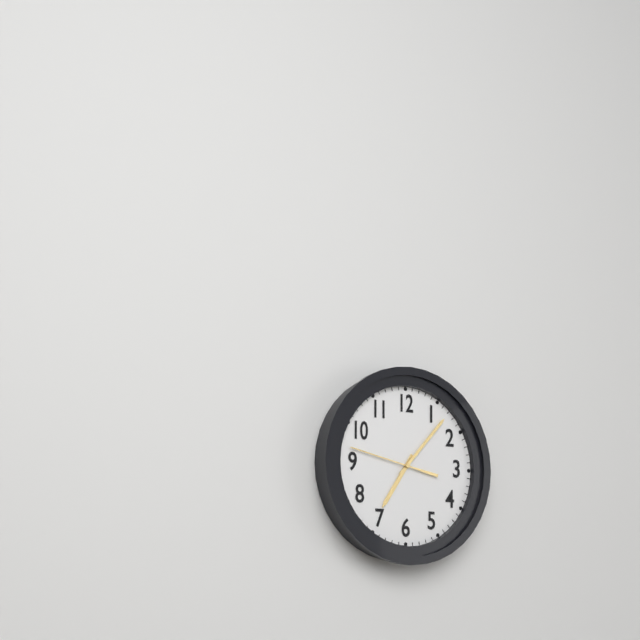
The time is 7:07:47
